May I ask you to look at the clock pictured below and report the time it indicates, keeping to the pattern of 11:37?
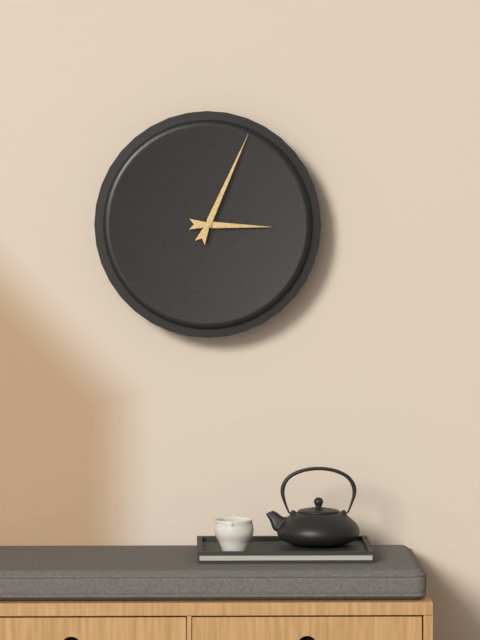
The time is 3:04
